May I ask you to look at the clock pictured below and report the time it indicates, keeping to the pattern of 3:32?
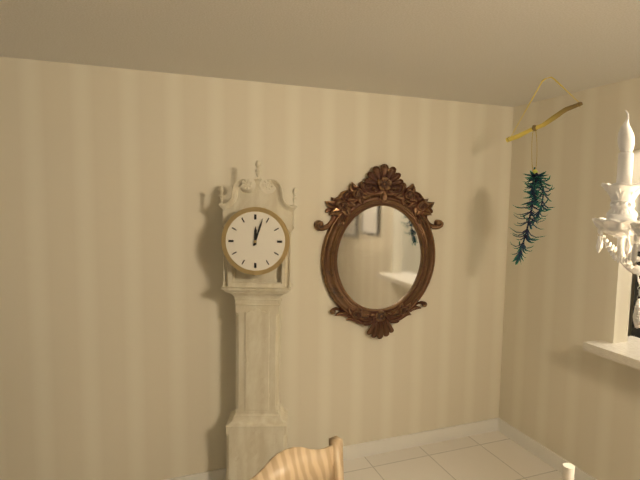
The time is 12:03
